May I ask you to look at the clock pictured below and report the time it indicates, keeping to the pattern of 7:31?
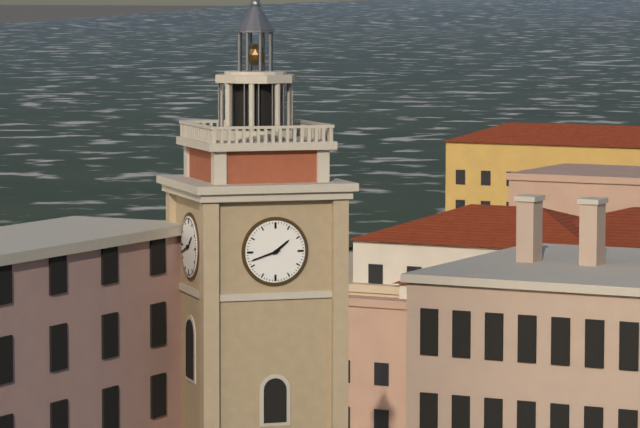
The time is 1:42
